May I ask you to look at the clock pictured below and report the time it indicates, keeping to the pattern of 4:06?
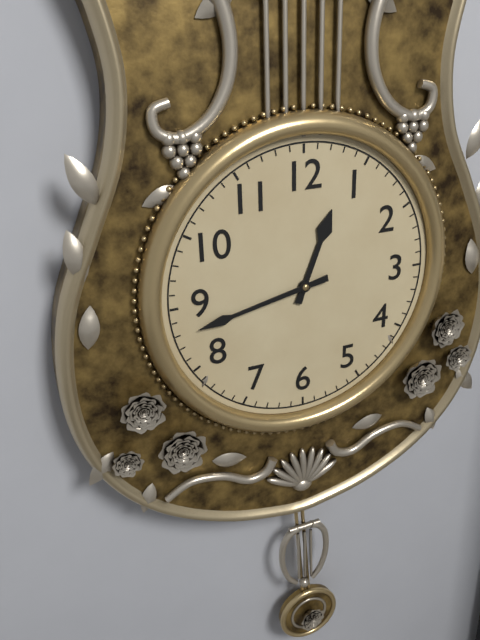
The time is 12:43
